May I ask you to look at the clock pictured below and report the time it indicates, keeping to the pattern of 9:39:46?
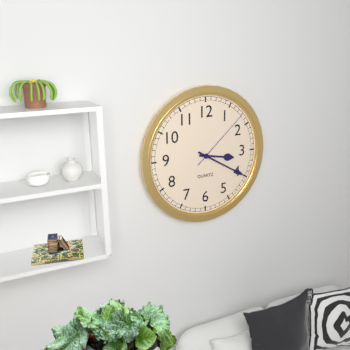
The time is 3:20:08
